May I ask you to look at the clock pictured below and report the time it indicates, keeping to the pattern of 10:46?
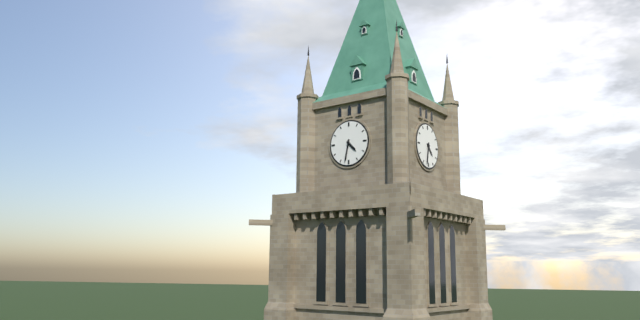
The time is 4:32
